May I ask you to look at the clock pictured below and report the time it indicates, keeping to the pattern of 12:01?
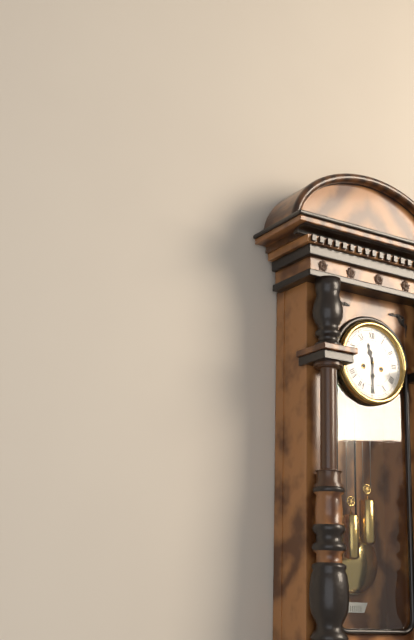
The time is 11:30
